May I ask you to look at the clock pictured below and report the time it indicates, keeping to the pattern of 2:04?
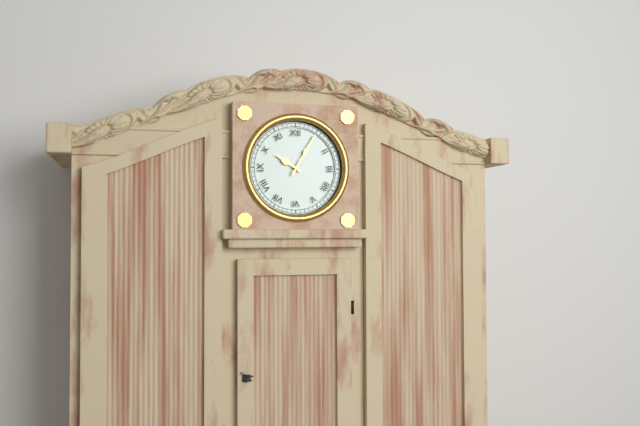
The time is 10:05
